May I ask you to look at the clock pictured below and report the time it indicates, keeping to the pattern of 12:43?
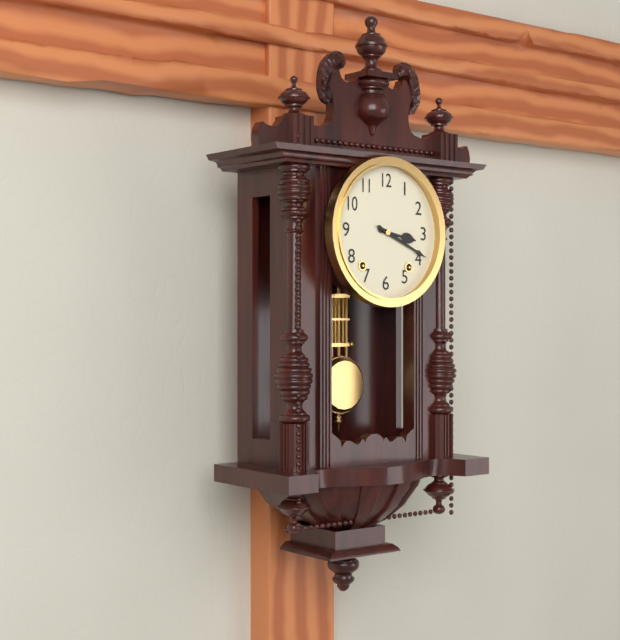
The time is 3:19
